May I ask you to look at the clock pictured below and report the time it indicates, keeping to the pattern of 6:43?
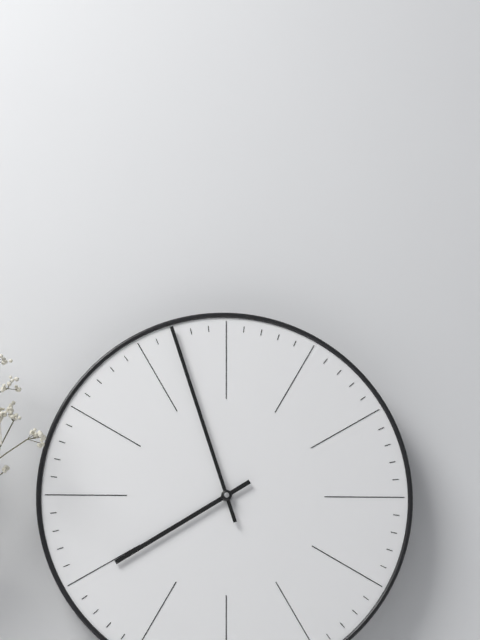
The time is 7:57
